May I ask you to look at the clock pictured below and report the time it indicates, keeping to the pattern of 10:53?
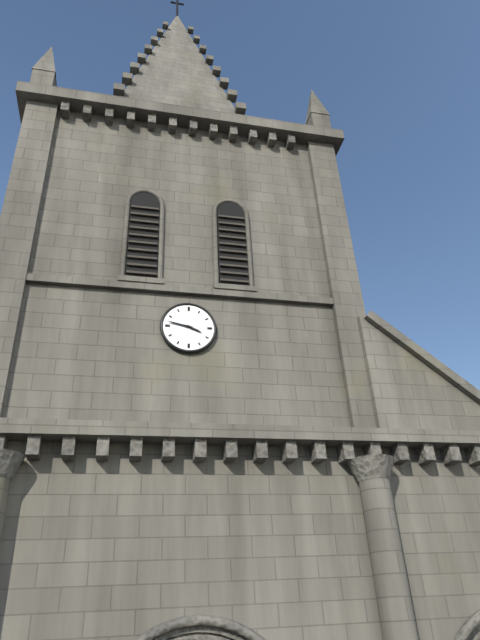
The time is 3:47
